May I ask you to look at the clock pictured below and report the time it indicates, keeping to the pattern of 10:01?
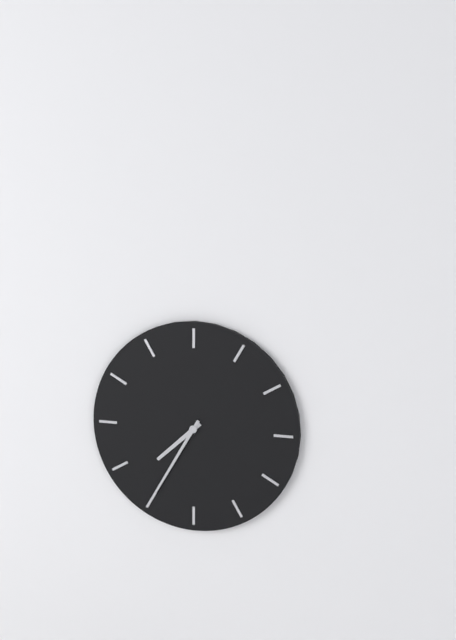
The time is 7:35
